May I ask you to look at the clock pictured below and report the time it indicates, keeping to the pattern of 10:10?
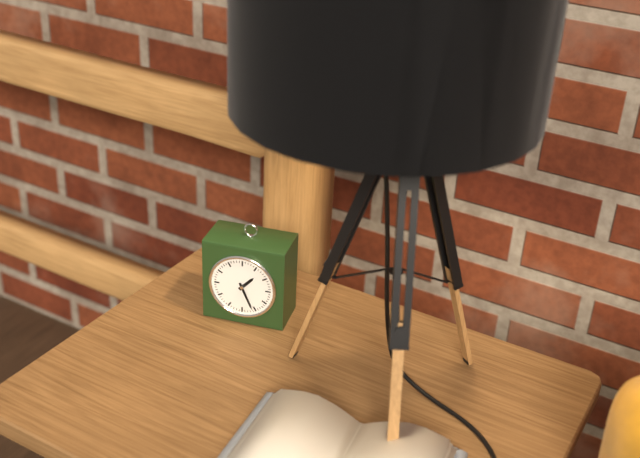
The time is 1:26
